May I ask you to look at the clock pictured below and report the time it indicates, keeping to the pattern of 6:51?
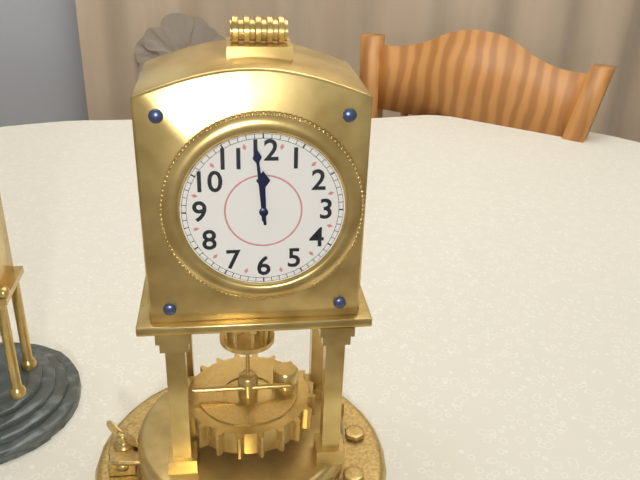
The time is 11:59
